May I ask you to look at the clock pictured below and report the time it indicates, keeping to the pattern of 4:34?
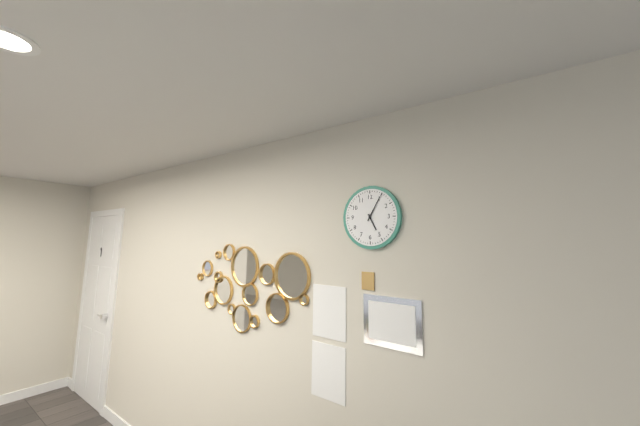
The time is 5:05
